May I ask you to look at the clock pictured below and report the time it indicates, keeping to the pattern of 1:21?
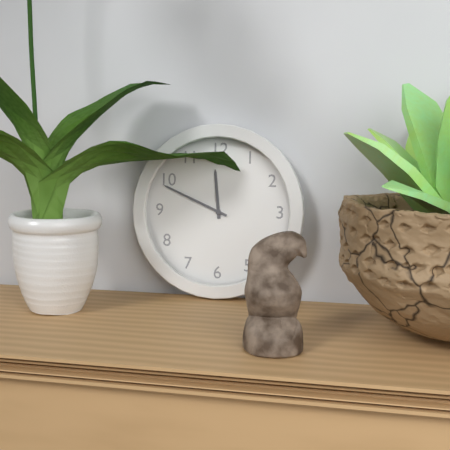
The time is 11:49
